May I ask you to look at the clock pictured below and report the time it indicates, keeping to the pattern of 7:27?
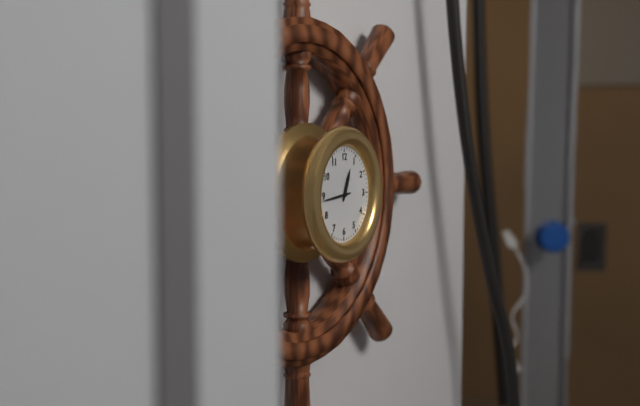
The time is 12:44
